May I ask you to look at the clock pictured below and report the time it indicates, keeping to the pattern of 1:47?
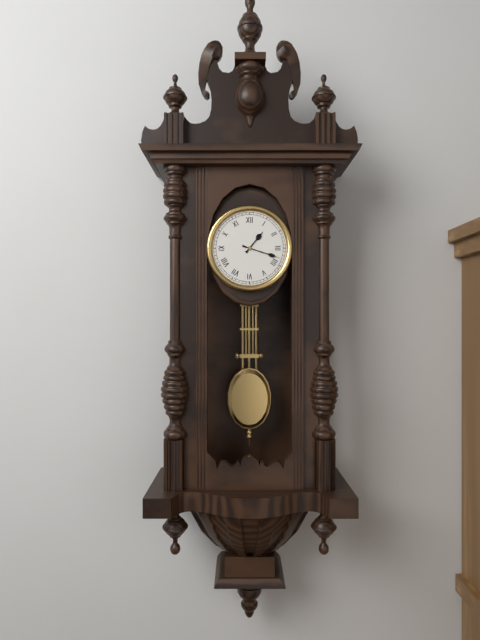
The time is 1:18
